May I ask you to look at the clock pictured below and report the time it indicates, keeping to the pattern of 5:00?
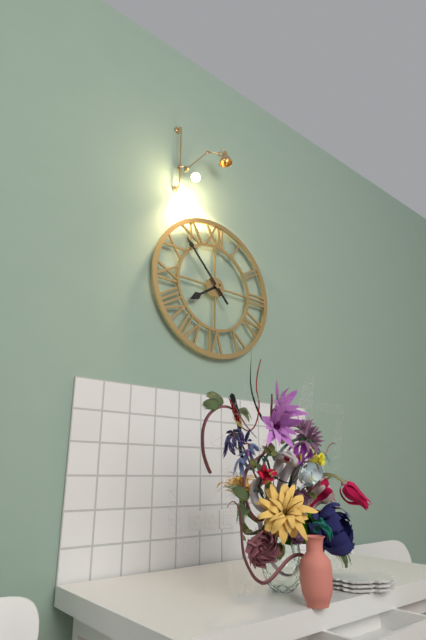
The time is 7:53
